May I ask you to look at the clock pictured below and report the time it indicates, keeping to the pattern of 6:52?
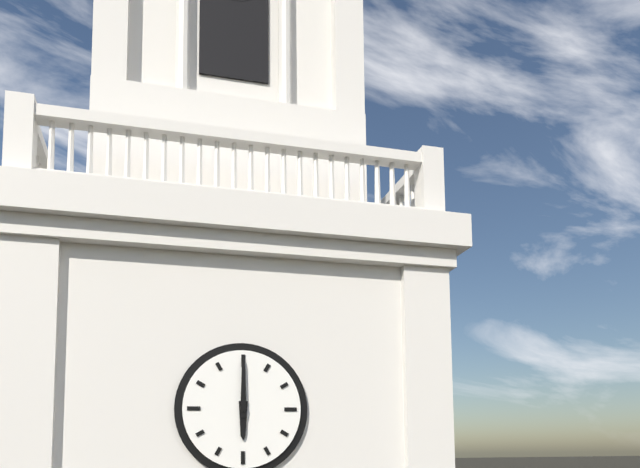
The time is 6:00
